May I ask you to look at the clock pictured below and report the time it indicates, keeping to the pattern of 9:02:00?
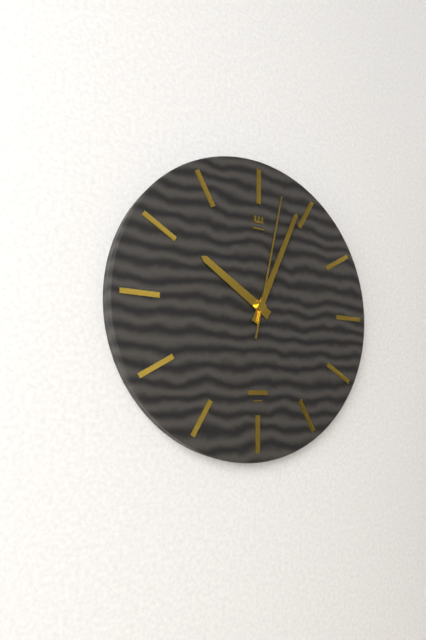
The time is 10:04:02
